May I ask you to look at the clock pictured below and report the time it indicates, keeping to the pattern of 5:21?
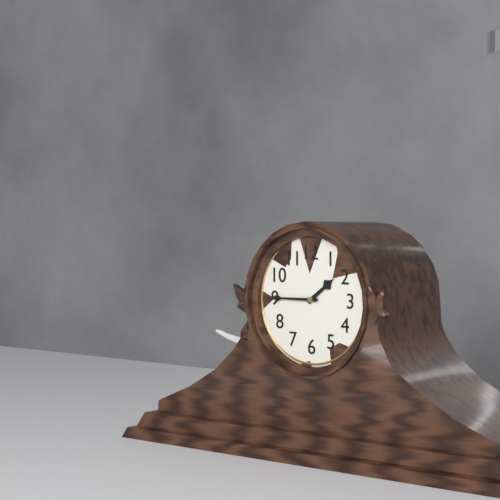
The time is 1:45
